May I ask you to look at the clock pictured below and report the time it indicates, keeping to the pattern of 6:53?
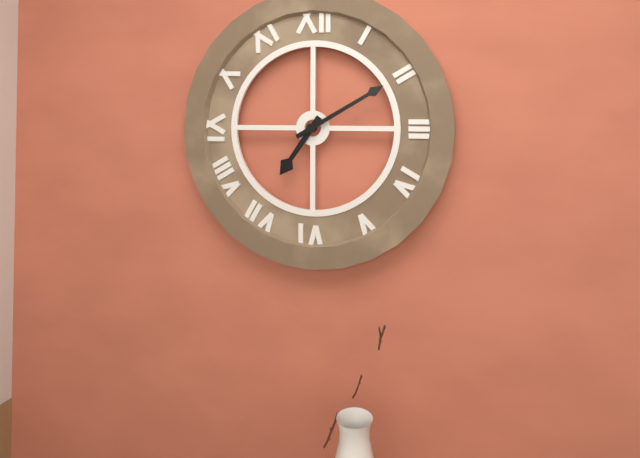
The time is 7:10
